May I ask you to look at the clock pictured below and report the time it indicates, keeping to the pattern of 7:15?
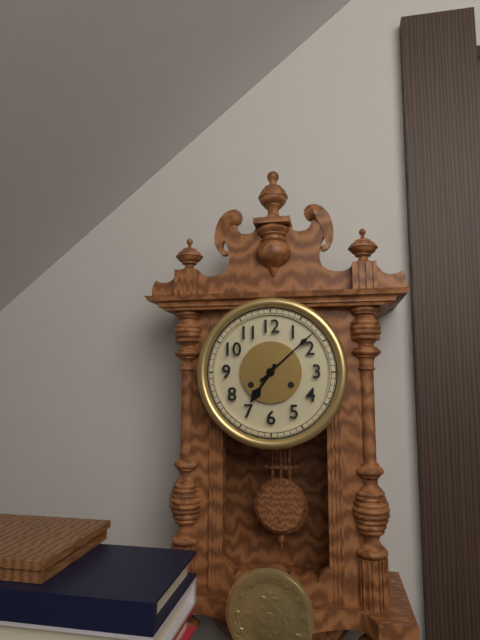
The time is 7:08
